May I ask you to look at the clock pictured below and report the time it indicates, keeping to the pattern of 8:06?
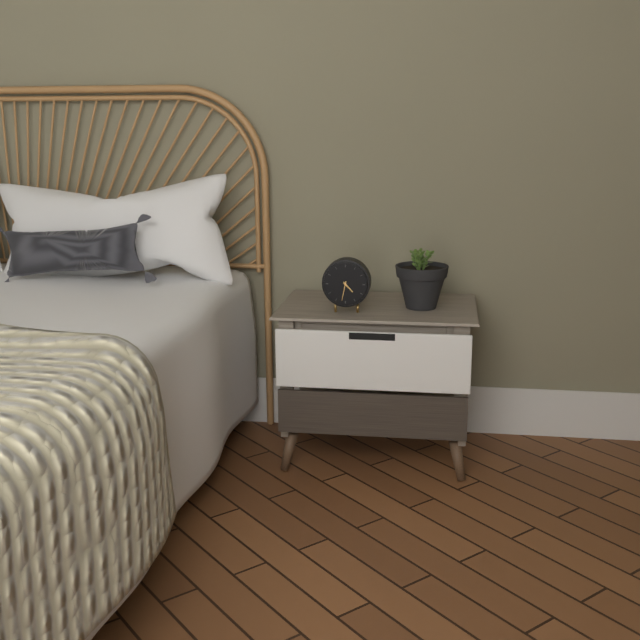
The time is 4:32
